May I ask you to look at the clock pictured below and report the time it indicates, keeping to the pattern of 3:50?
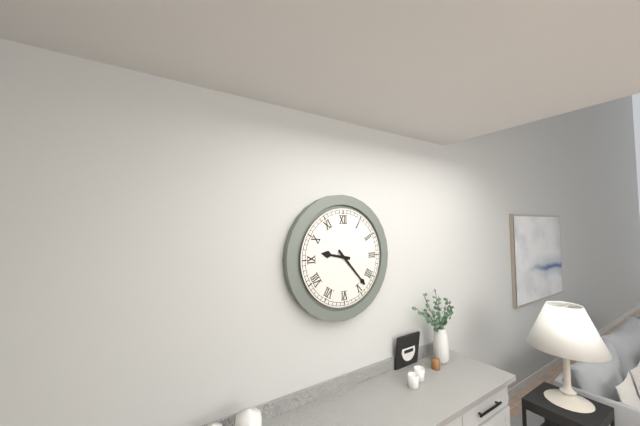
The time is 9:23
